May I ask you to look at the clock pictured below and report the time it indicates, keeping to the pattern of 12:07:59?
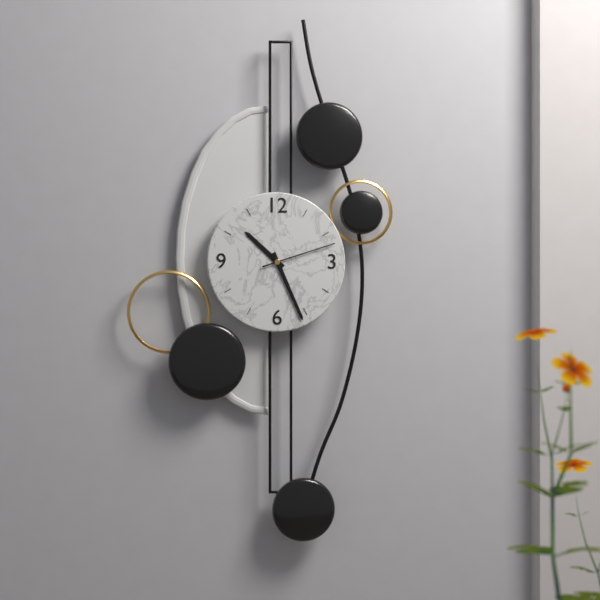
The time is 10:26:12
